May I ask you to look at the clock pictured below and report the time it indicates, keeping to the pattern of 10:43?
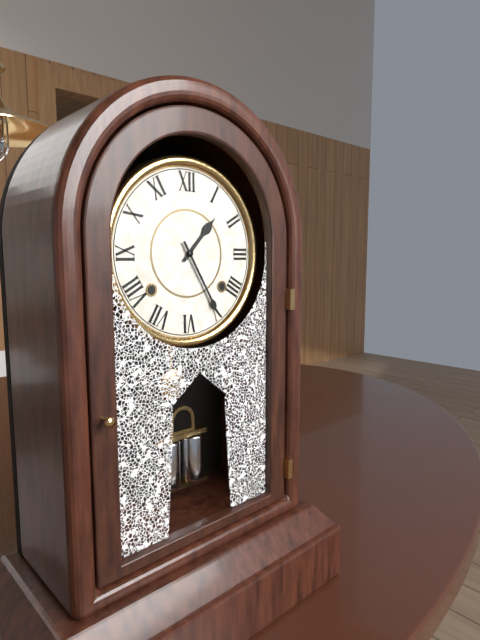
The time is 1:25
